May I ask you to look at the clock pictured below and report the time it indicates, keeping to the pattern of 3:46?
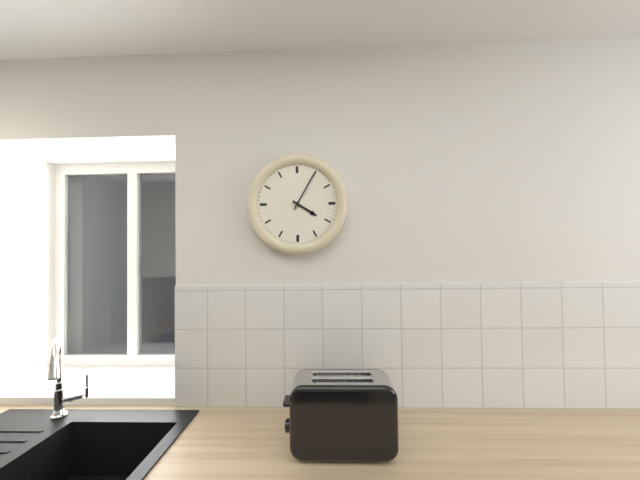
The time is 4:05
